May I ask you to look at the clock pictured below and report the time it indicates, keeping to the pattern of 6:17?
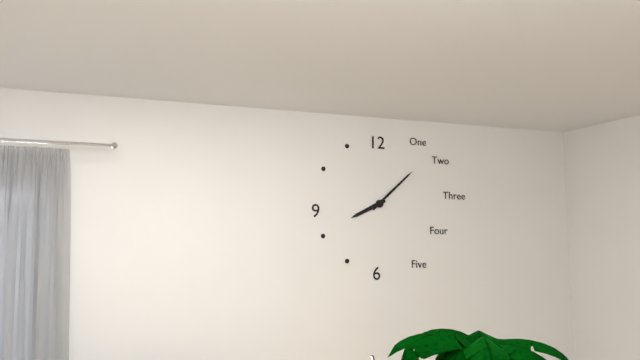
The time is 8:08
